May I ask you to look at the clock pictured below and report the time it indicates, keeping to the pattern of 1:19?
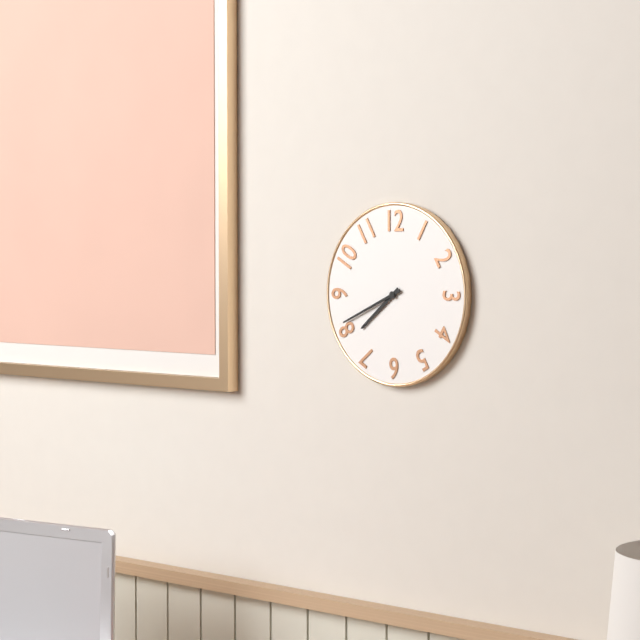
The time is 7:41
